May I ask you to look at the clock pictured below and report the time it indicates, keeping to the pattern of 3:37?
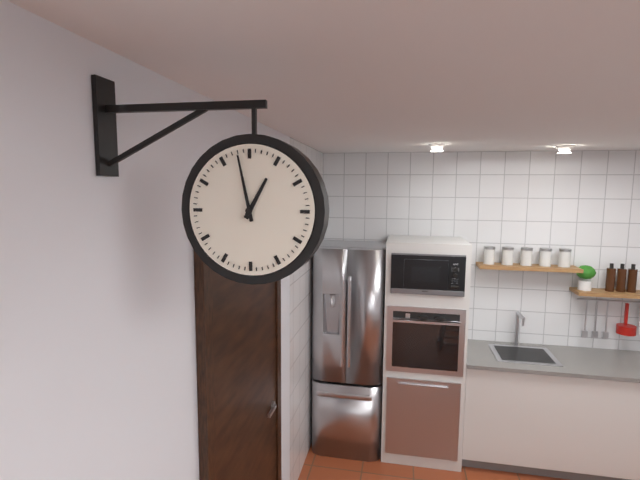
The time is 12:58
